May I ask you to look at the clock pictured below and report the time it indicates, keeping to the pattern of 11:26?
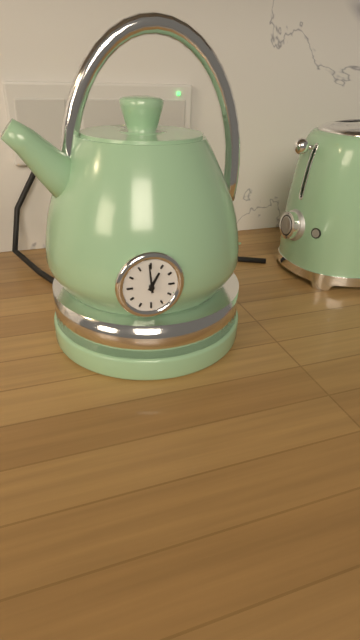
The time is 12:59
